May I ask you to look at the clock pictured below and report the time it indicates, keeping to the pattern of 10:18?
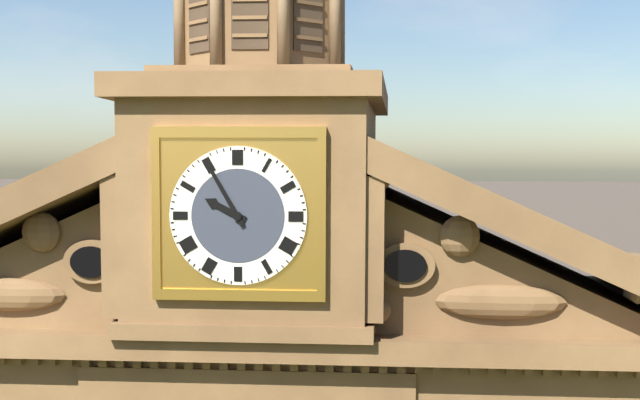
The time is 9:55
